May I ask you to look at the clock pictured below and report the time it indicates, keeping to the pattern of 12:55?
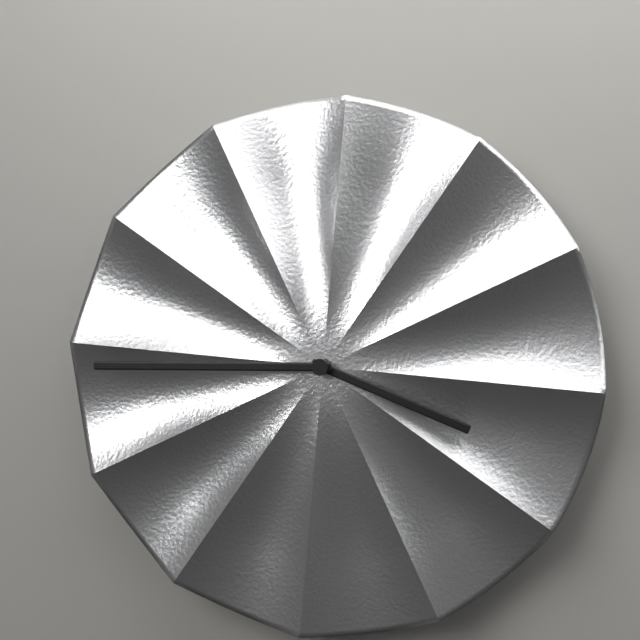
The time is 3:45
